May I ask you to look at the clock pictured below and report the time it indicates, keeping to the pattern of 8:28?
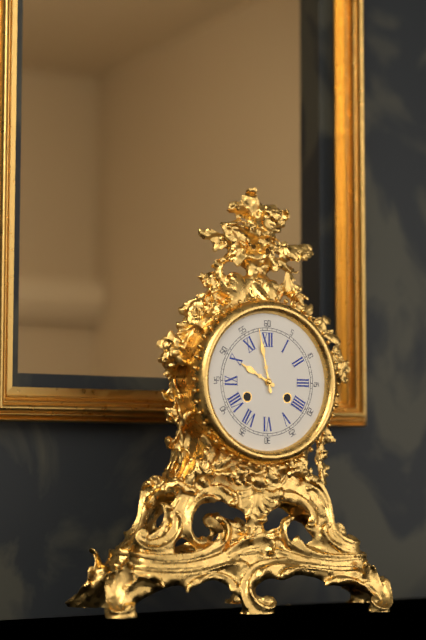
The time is 9:58
